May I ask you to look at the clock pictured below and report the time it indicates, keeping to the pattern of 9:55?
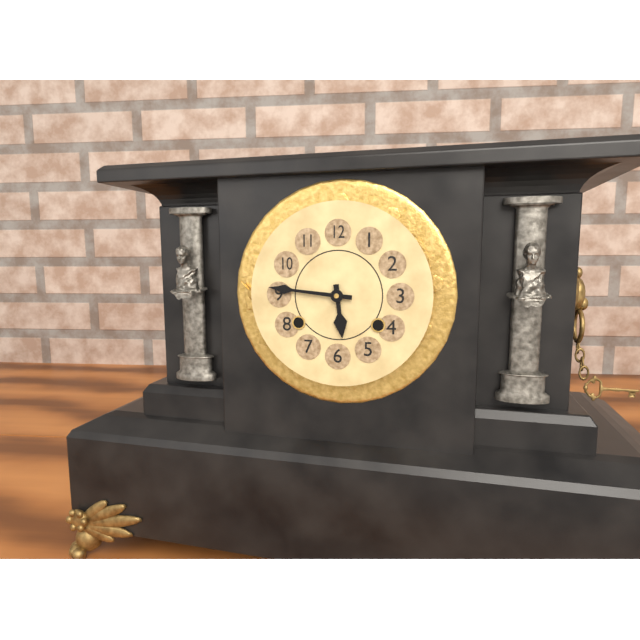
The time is 5:46
